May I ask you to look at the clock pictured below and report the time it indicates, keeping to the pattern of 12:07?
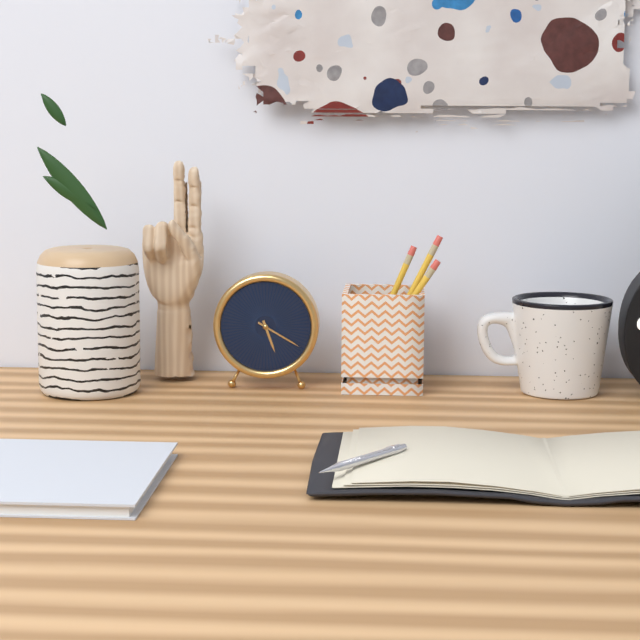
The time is 5:20
